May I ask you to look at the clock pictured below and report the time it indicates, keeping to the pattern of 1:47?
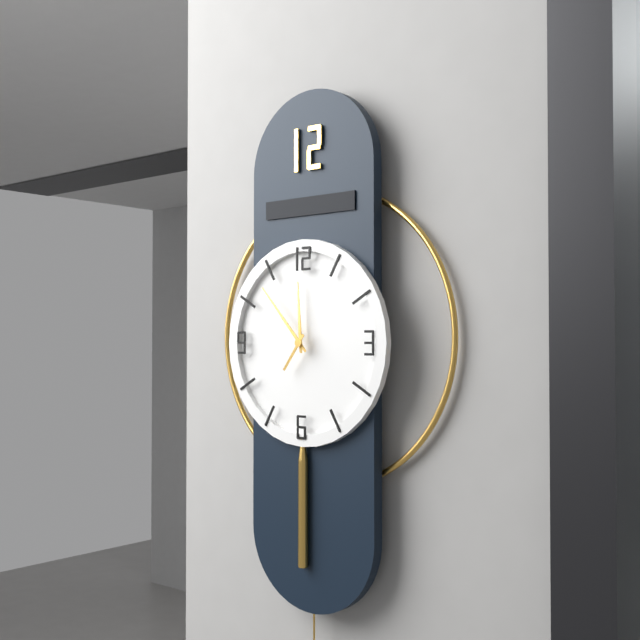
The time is 11:53
